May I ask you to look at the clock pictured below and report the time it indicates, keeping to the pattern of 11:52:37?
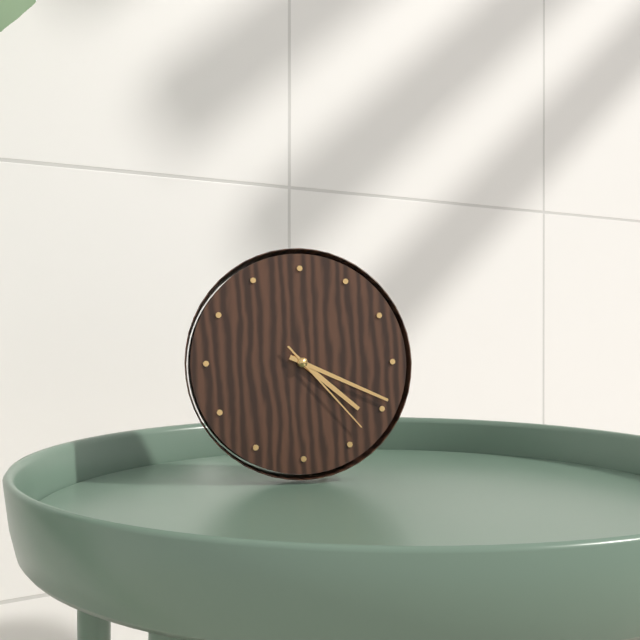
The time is 4:19:23
